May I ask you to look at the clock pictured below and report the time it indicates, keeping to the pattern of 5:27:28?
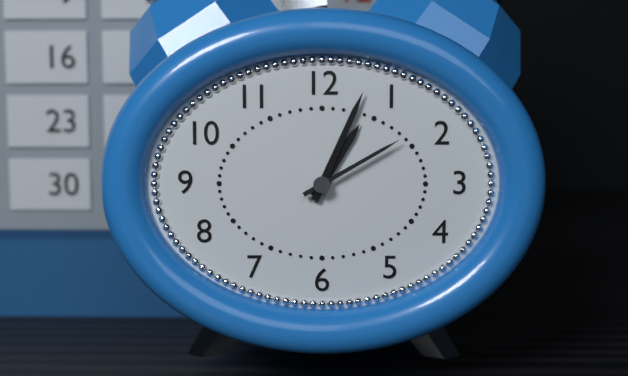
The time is 1:04:10
